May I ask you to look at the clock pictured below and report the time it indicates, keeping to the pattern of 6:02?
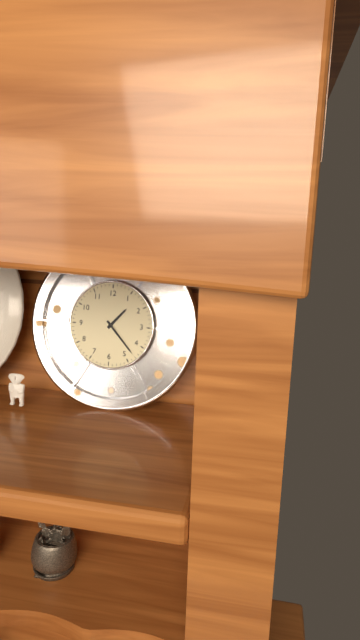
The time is 1:23
